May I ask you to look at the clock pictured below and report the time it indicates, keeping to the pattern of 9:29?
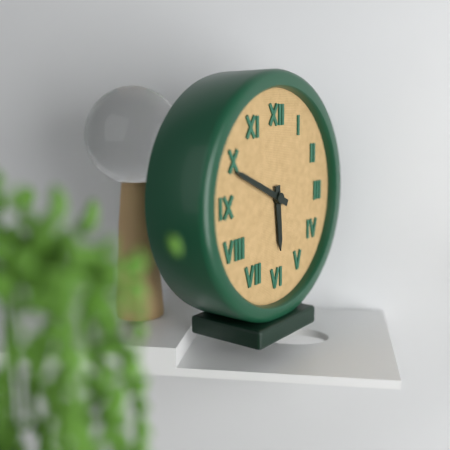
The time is 5:49
